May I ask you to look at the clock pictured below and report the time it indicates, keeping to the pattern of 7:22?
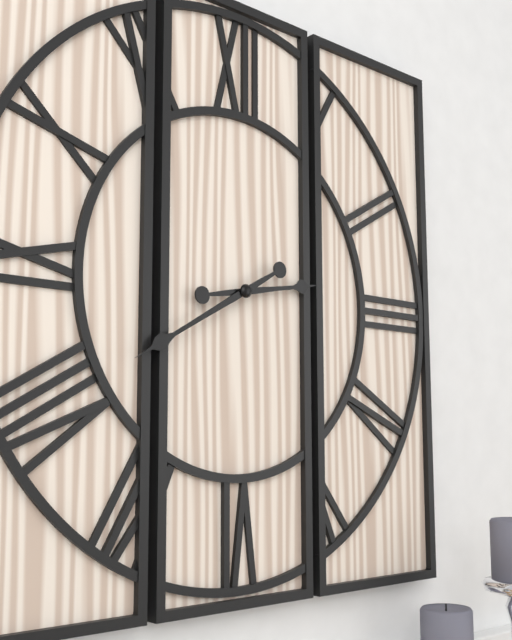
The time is 2:40
